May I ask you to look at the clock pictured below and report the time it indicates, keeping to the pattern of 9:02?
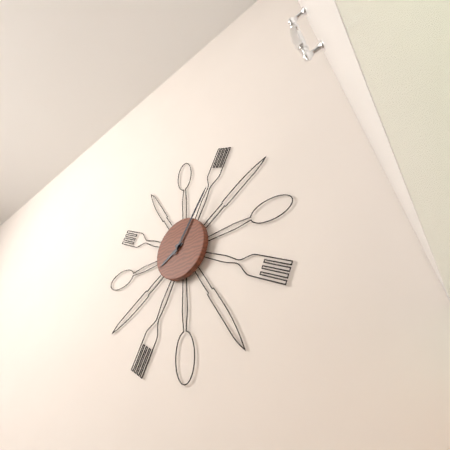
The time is 8:06
